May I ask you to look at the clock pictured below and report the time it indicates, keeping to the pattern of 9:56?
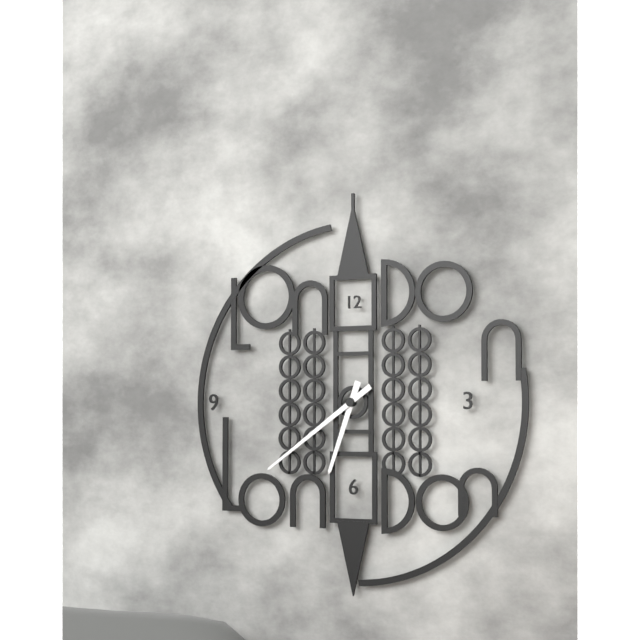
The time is 6:39
